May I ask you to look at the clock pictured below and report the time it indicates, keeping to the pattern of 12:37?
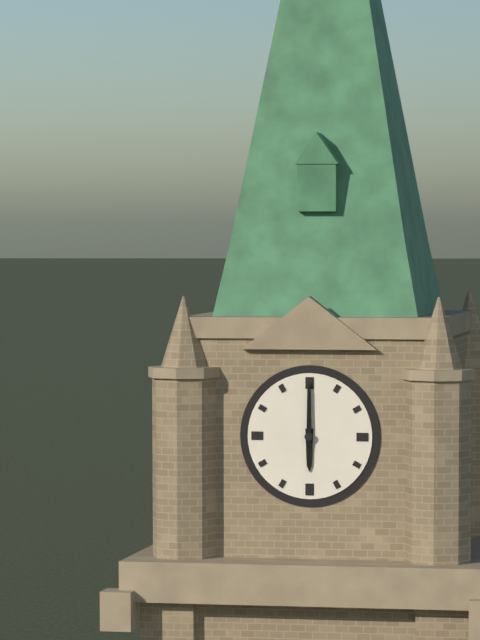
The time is 6:00
